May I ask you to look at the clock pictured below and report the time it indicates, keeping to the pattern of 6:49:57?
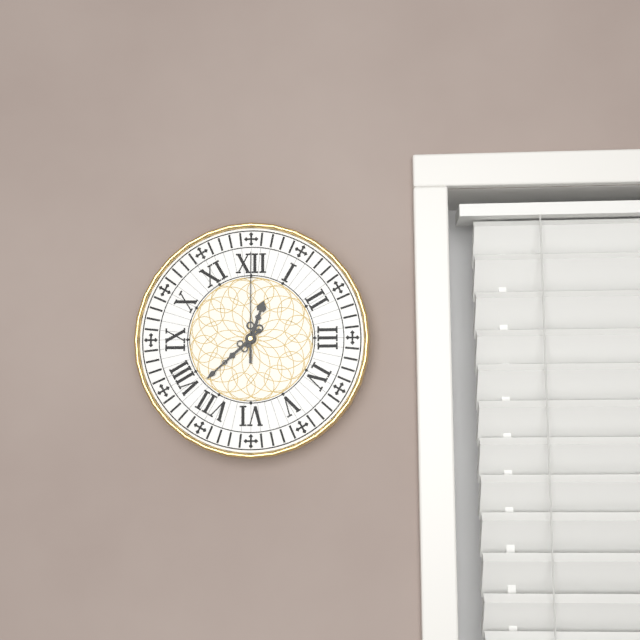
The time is 12:38:00
